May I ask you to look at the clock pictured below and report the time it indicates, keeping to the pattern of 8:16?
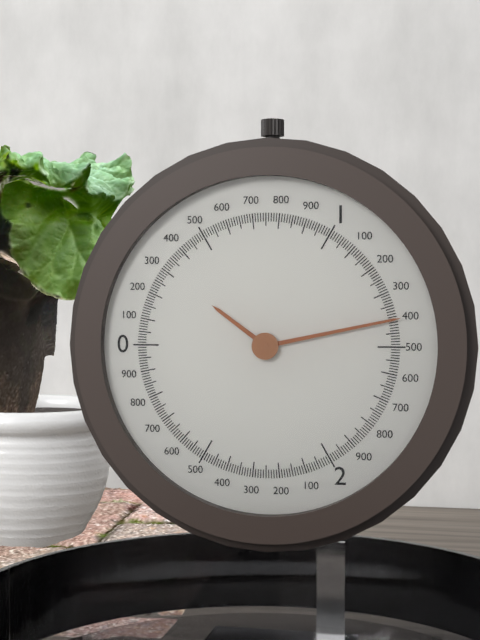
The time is 10:13
